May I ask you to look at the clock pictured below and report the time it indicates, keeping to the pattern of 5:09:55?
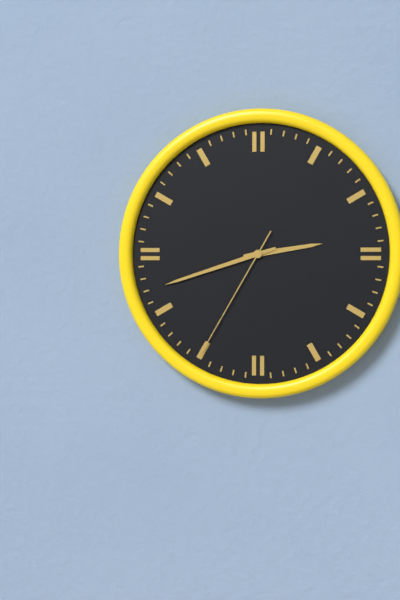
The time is 2:42:35
